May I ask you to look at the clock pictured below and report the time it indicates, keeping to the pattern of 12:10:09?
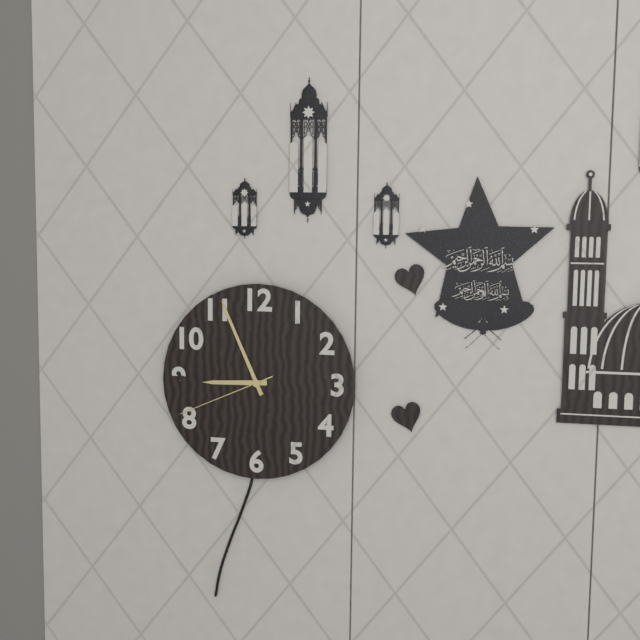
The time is 8:56:41
